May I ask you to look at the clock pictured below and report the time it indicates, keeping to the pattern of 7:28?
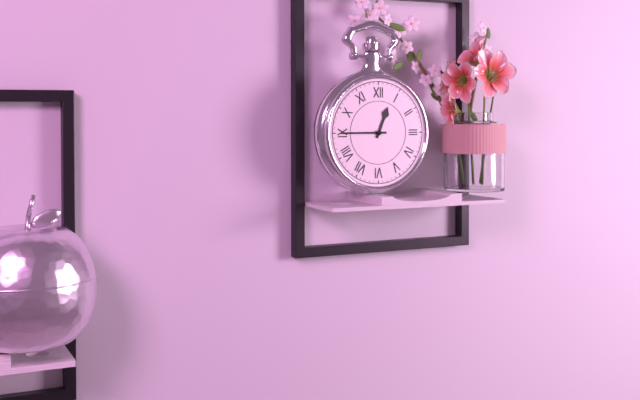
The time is 12:45
